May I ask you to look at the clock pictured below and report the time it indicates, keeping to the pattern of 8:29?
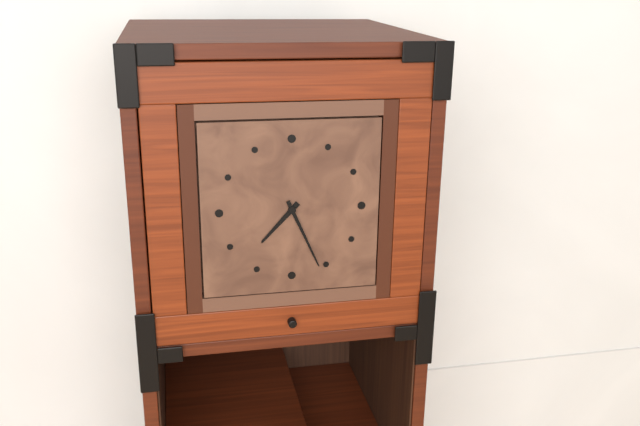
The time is 7:26
